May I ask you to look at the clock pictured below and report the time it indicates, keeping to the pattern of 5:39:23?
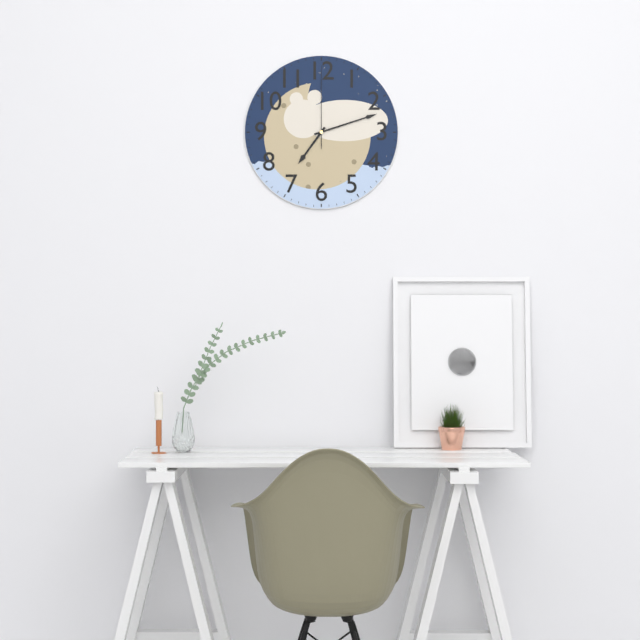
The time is 7:12:00
